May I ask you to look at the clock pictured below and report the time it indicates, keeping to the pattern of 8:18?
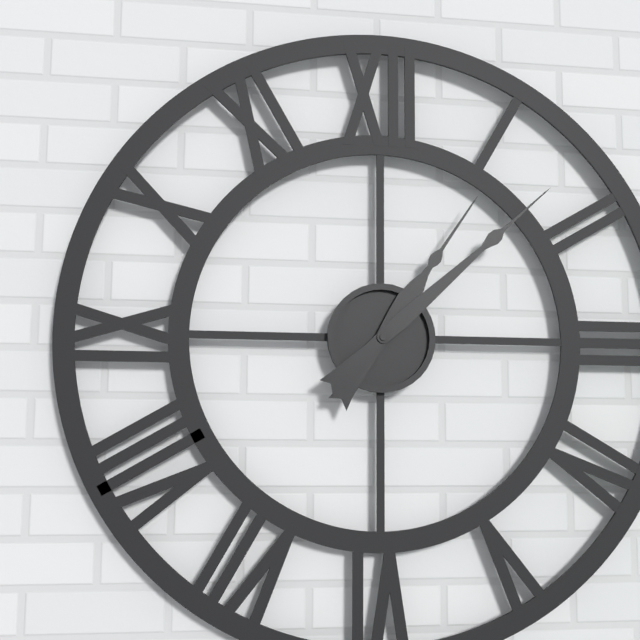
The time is 1:08
